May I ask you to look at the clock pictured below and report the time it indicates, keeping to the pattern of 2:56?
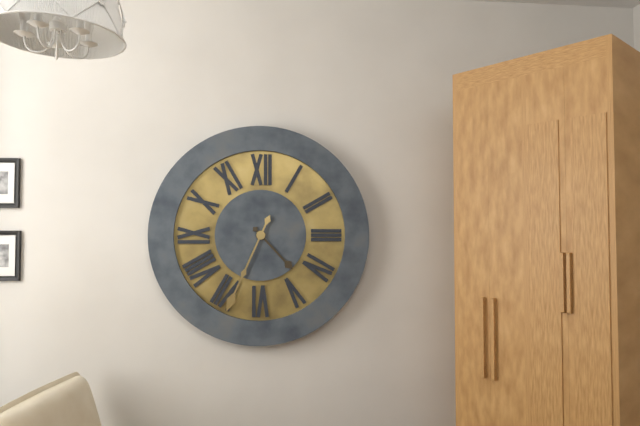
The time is 4:34
